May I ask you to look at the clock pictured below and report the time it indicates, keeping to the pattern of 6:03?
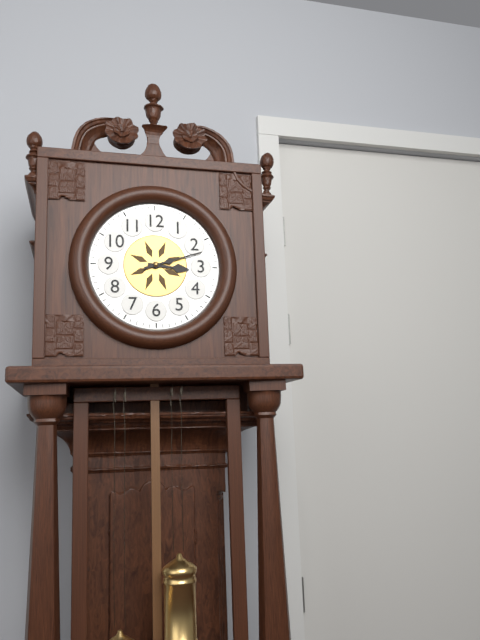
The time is 3:12
